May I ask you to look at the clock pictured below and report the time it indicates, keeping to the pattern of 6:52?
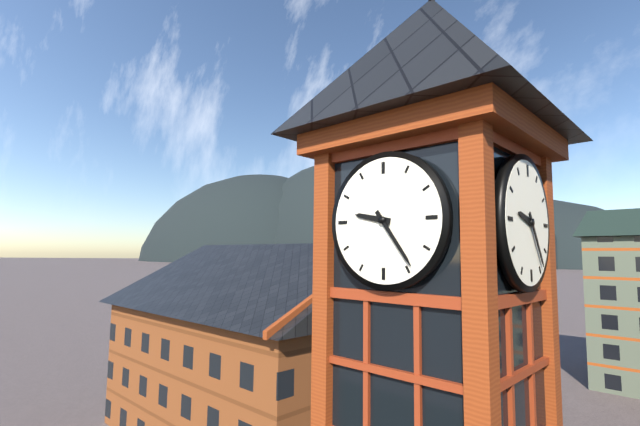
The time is 9:24
